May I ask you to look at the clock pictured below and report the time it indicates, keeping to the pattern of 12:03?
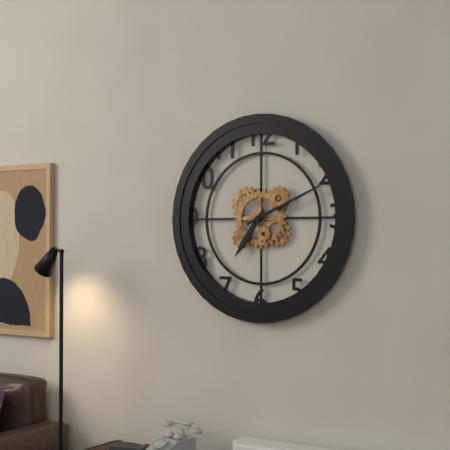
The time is 7:11
